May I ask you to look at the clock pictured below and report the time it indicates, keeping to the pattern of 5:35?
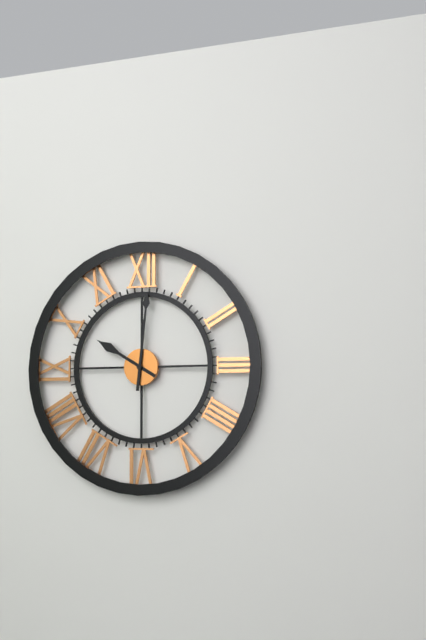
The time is 10:01
